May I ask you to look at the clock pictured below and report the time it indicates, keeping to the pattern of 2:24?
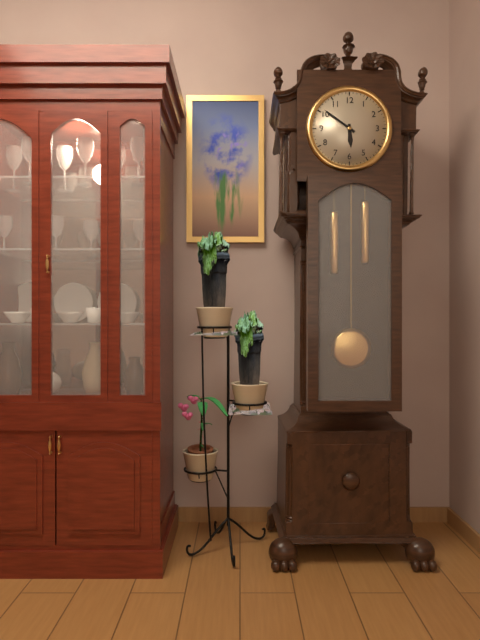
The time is 5:51
